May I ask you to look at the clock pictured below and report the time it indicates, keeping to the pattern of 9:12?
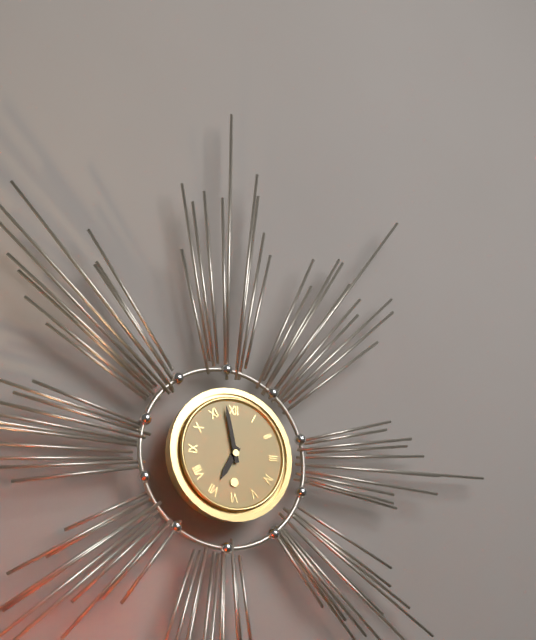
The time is 6:58
